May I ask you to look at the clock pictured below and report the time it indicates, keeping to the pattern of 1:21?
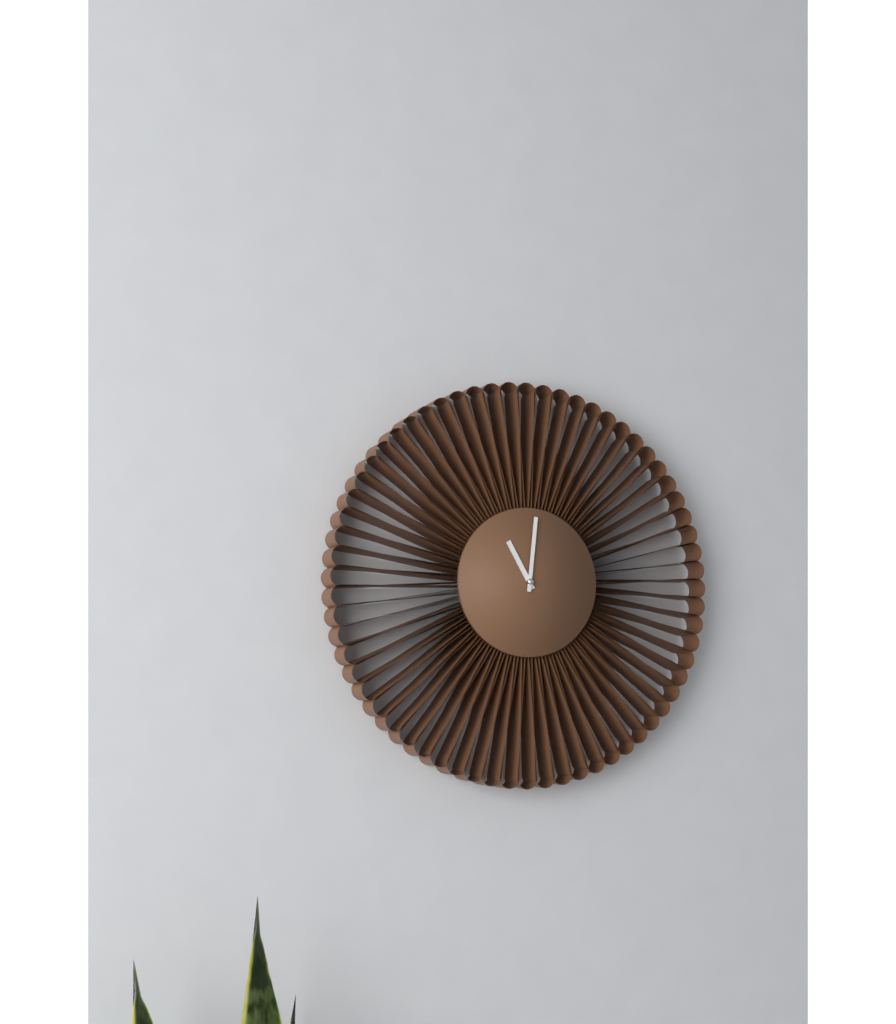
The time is 11:01
